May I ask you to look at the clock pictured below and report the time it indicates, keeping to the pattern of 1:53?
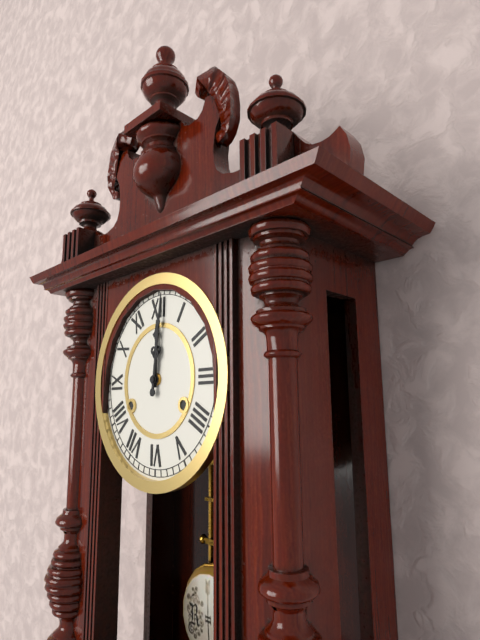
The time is 12:01
